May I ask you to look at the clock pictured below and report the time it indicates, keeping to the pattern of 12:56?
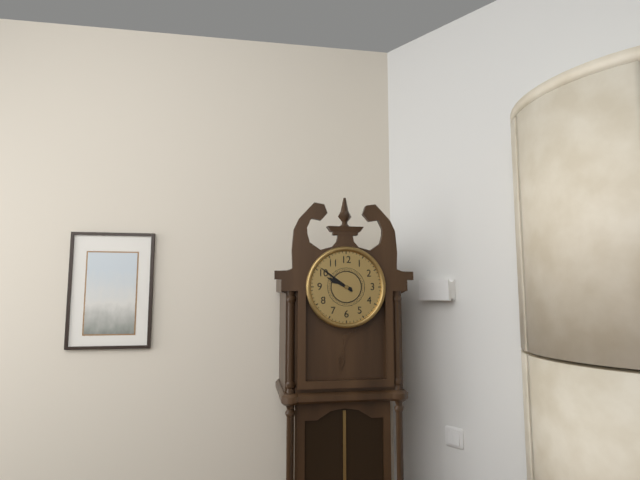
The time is 9:51
